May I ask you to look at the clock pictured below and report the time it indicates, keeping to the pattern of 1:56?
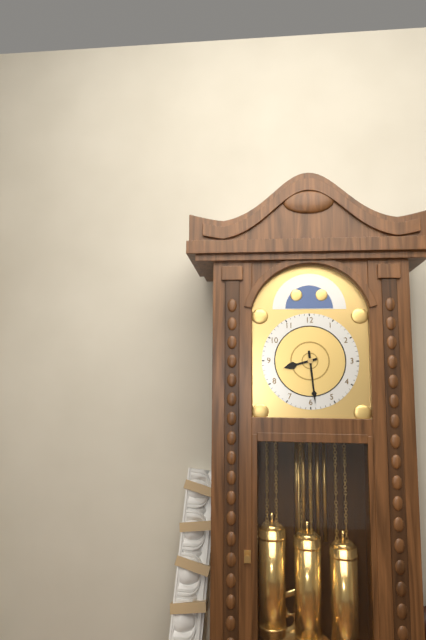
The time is 8:29
